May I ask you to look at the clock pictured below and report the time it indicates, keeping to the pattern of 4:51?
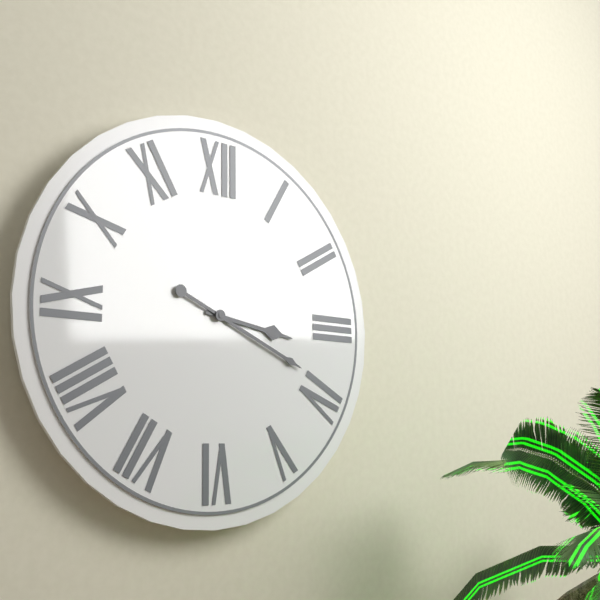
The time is 3:19
